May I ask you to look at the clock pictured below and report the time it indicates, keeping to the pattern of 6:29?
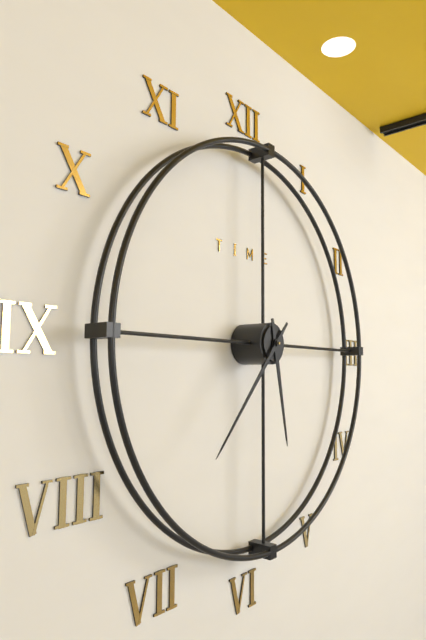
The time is 5:37
